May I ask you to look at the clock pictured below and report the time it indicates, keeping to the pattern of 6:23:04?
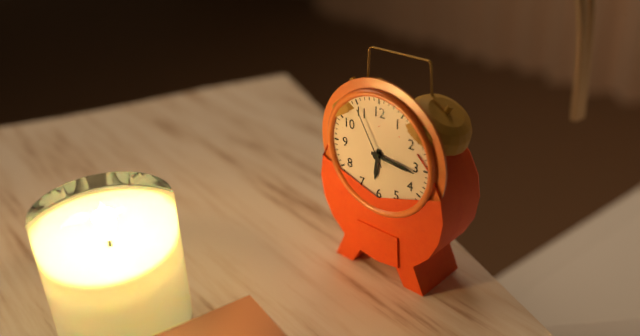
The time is 6:16:55
